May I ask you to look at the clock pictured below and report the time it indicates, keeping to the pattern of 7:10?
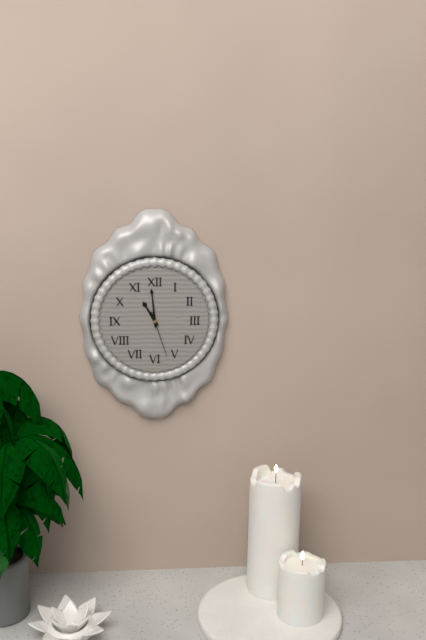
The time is 10:59
